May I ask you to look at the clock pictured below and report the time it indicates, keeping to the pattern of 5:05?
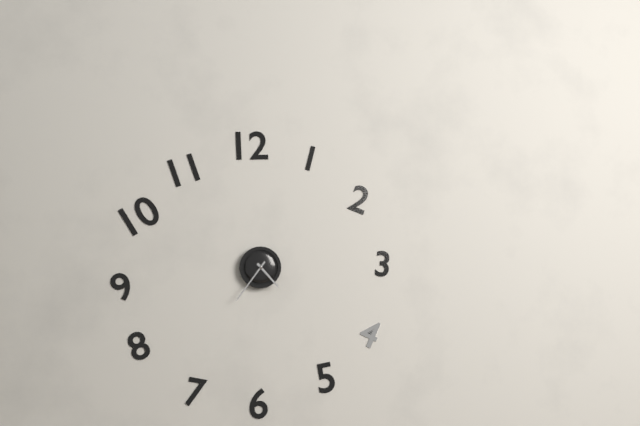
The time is 4:36
